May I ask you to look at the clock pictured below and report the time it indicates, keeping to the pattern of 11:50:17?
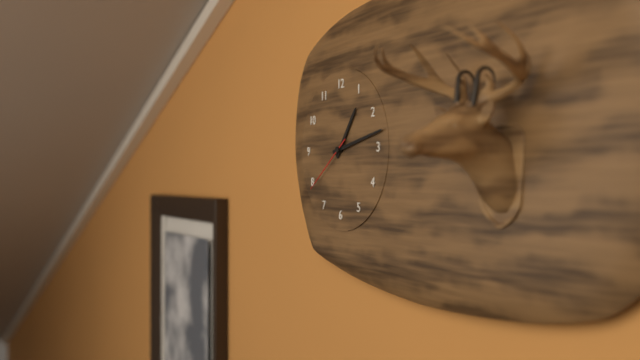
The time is 1:13:39
